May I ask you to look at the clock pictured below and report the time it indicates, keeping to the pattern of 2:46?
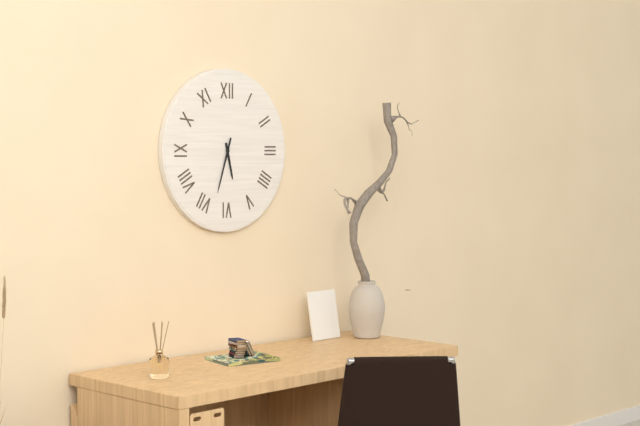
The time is 5:33
